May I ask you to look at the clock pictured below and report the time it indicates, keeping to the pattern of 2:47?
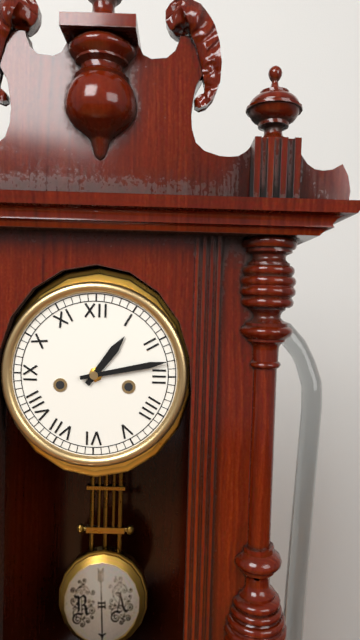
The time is 1:13
